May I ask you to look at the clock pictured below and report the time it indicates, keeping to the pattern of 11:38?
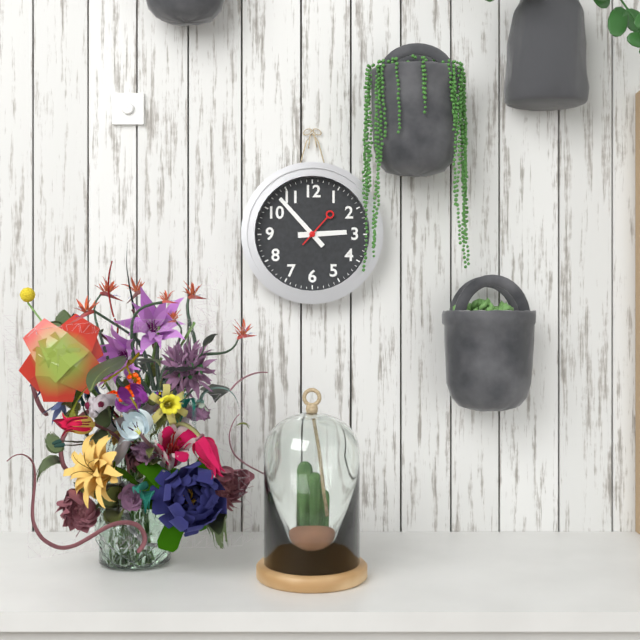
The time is 2:53
